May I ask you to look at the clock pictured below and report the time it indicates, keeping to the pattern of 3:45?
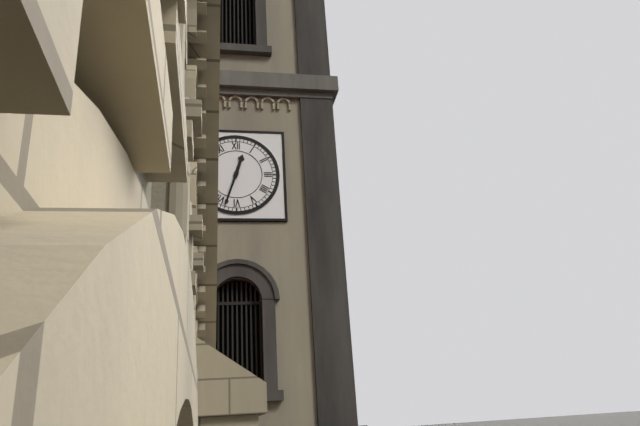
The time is 12:33
